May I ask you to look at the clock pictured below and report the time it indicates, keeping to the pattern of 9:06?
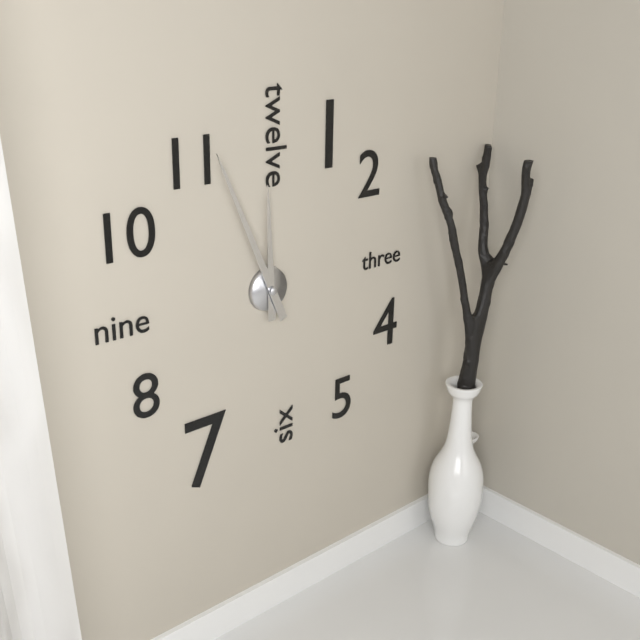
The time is 11:56
